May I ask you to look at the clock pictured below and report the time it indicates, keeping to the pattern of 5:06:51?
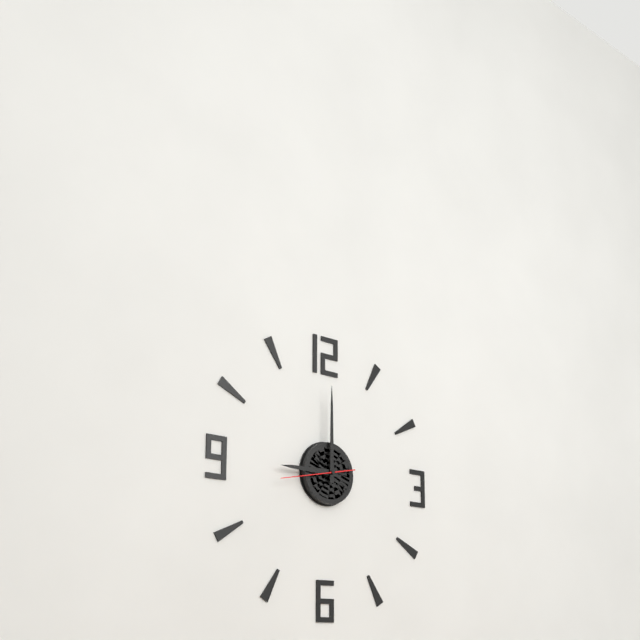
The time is 9:00:43
